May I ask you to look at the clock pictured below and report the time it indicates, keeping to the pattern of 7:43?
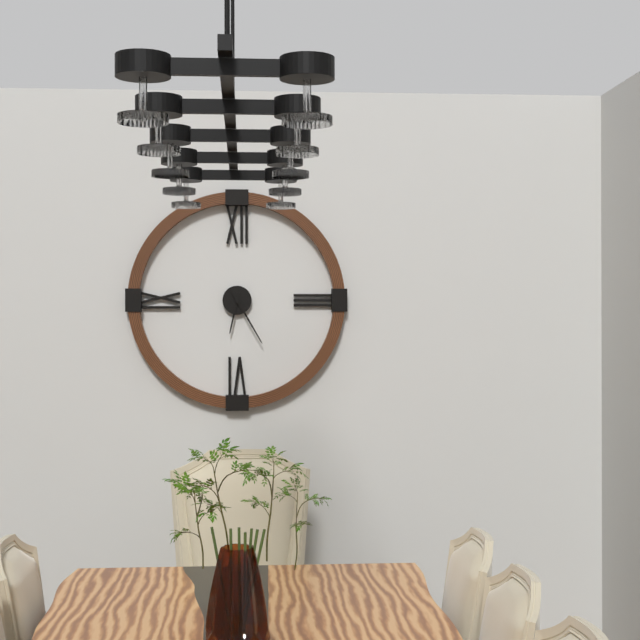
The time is 6:25
